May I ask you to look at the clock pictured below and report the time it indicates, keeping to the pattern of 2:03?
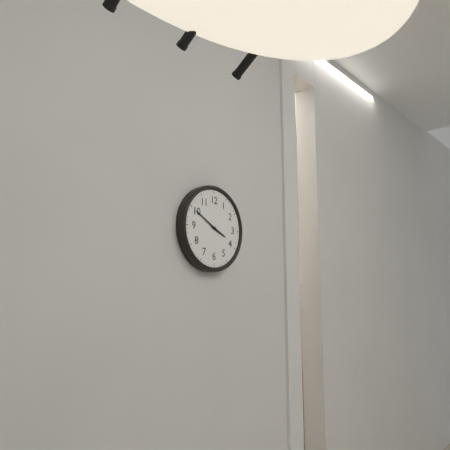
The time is 3:50
